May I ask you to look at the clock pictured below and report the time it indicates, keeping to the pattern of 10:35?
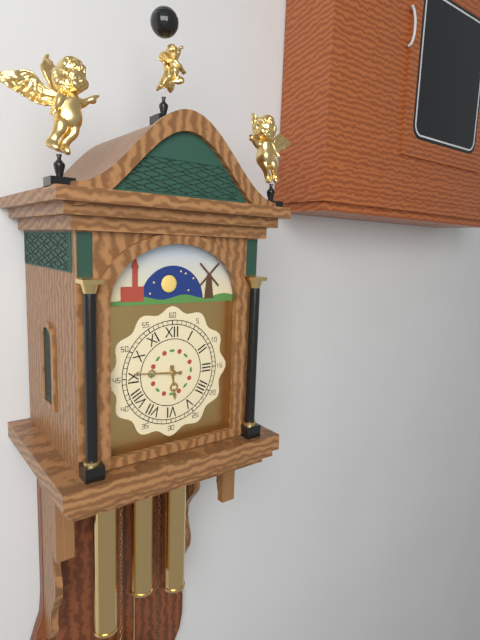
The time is 5:46
